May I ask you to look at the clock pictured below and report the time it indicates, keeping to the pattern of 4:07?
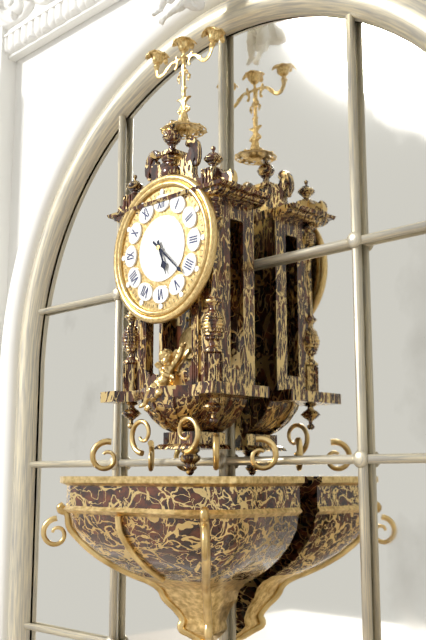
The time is 5:22
